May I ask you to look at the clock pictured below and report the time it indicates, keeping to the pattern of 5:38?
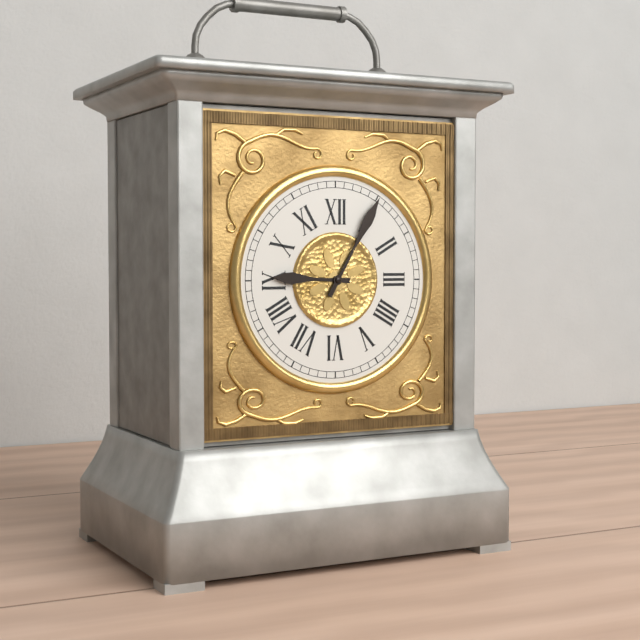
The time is 9:05
